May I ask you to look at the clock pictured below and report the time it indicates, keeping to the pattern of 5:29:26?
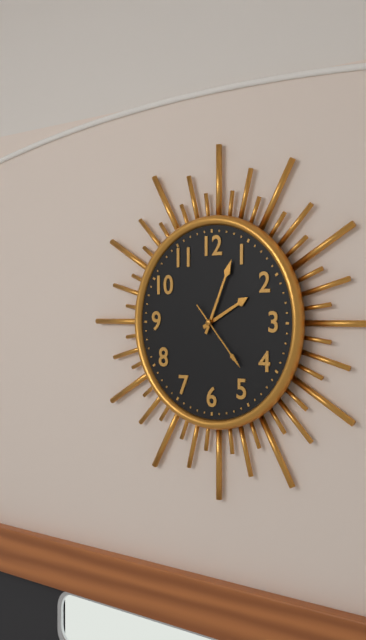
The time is 2:04:23
